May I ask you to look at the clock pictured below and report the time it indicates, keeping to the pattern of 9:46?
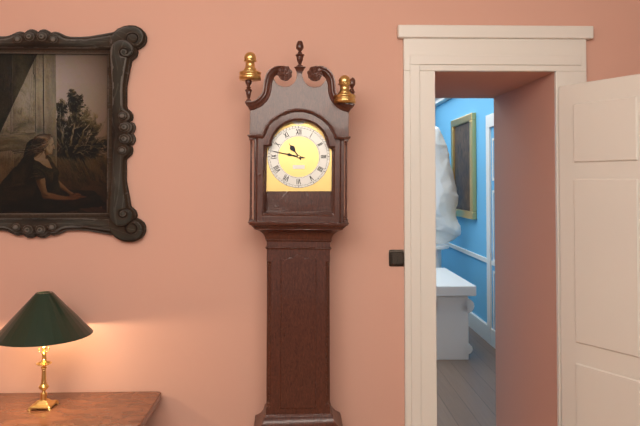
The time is 10:47
